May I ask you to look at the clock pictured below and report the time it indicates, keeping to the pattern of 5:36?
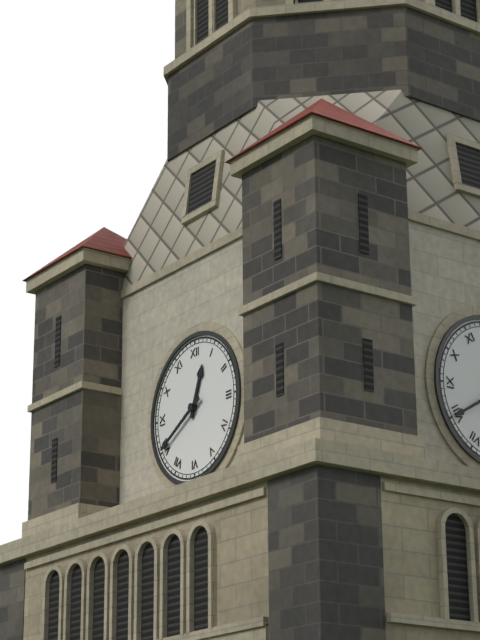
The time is 12:40
